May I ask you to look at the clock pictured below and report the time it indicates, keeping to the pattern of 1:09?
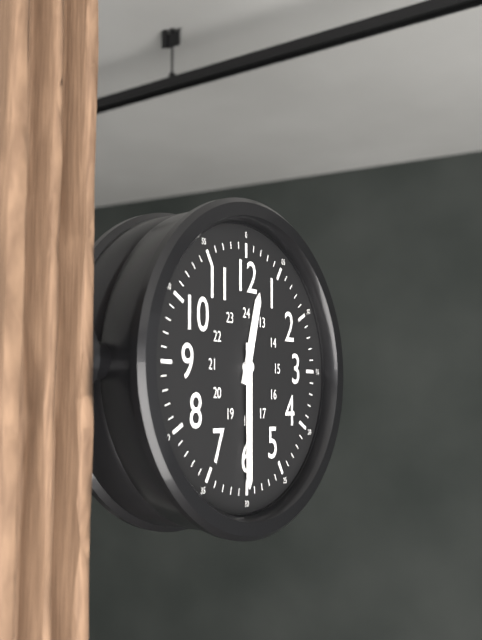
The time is 12:30
